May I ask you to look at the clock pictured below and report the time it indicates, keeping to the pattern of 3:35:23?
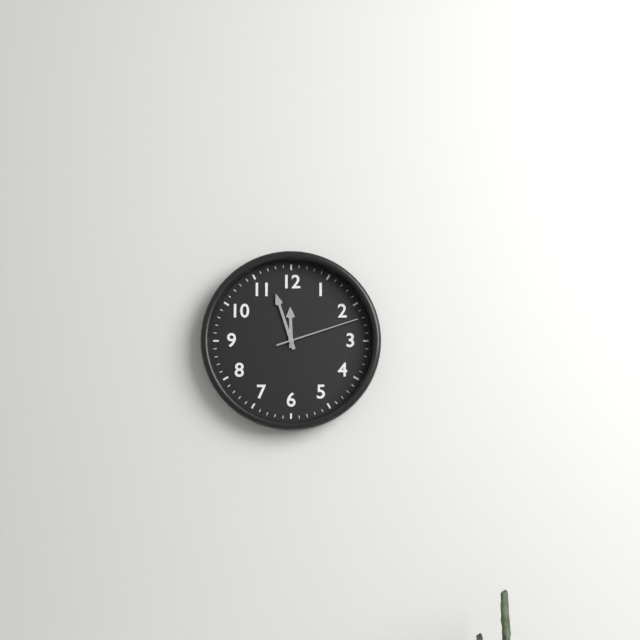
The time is 11:57:12
